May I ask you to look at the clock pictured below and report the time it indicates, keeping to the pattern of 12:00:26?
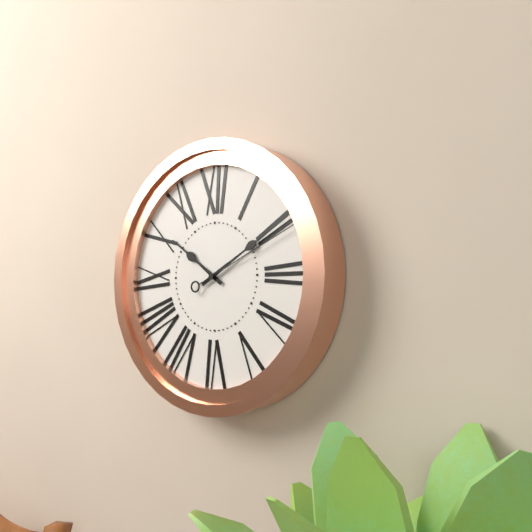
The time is 10:10:11
